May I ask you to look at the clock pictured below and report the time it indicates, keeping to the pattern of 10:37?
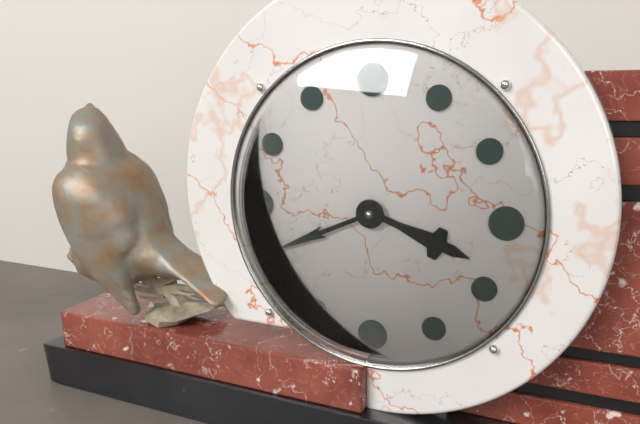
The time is 3:41
